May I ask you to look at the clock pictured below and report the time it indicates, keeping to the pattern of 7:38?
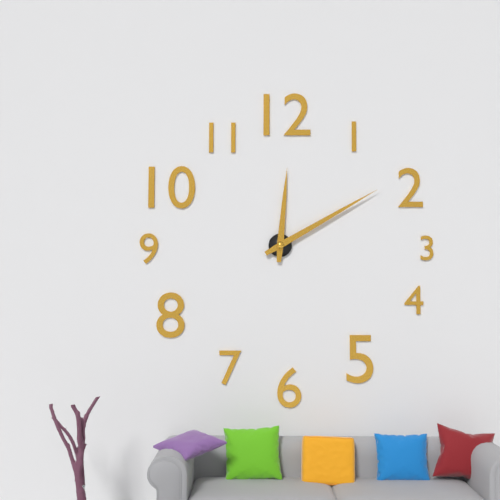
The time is 12:10
